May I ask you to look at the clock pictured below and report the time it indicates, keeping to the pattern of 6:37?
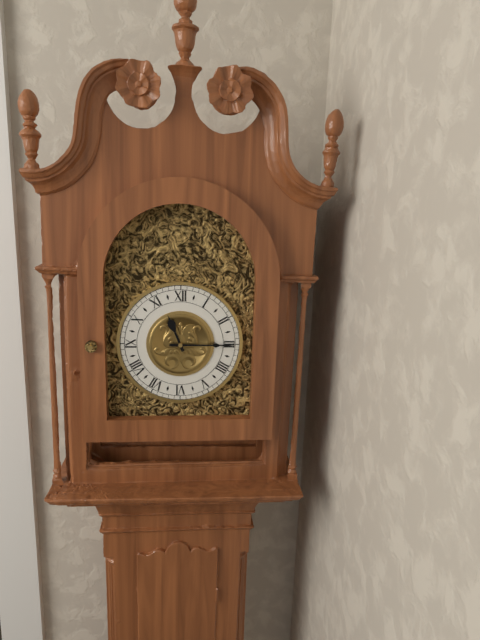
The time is 11:15
